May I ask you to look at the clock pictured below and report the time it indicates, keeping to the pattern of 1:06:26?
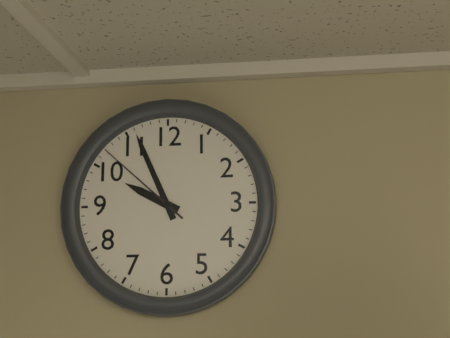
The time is 9:56:52
